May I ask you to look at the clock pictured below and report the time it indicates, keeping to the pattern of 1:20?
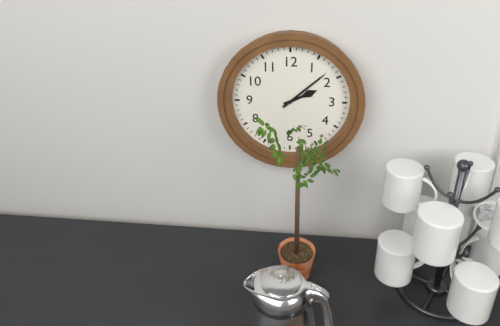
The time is 2:08
